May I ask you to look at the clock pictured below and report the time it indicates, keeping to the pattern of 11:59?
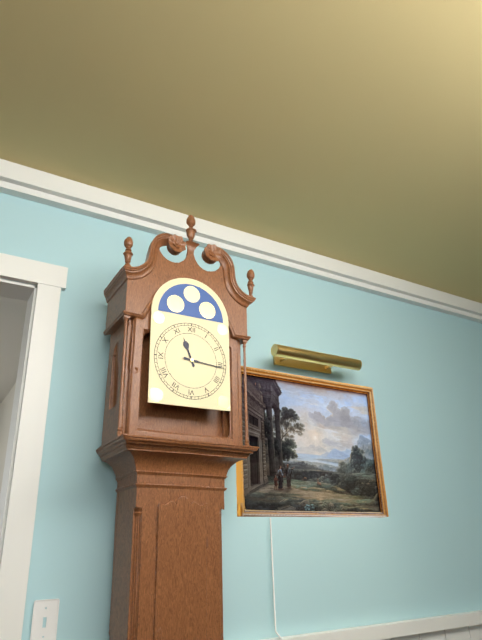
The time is 11:16
